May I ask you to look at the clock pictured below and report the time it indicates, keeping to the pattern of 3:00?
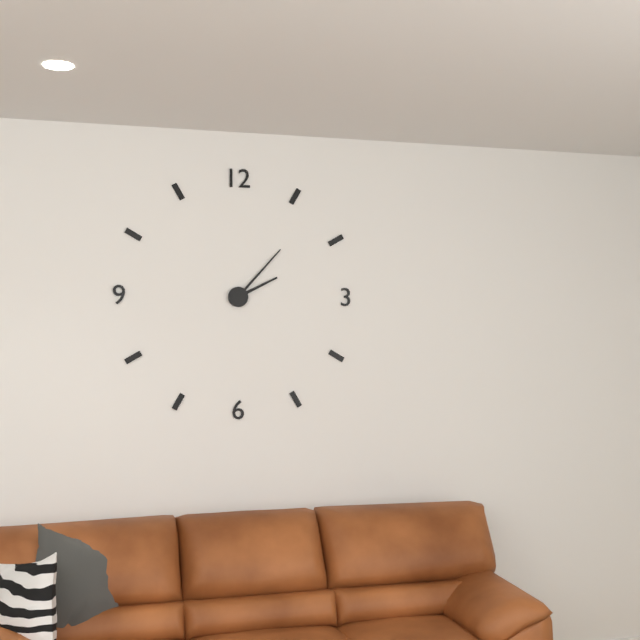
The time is 2:07
